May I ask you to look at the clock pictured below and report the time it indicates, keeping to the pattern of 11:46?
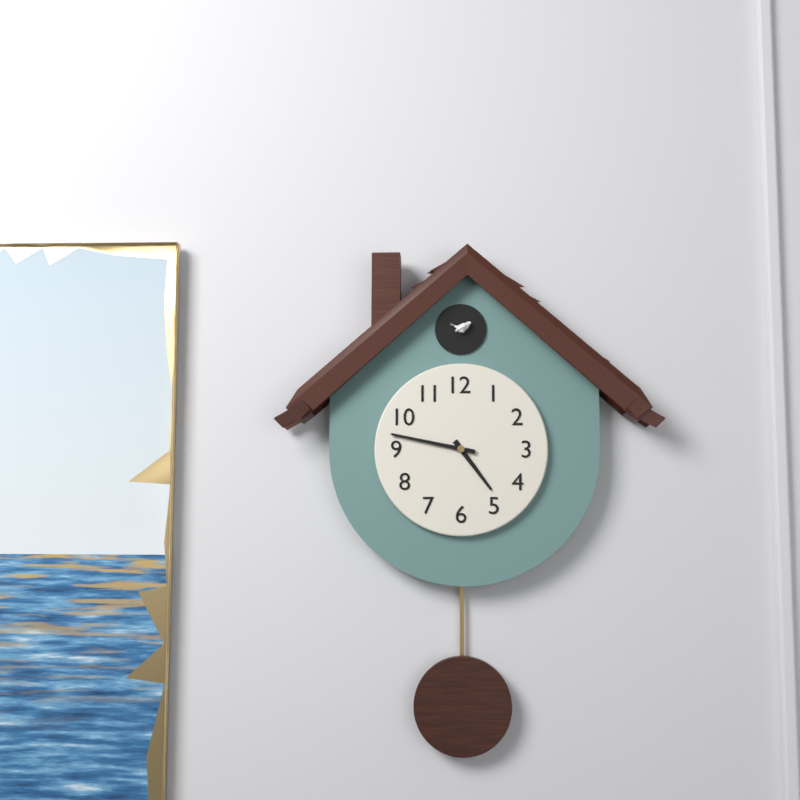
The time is 4:47
